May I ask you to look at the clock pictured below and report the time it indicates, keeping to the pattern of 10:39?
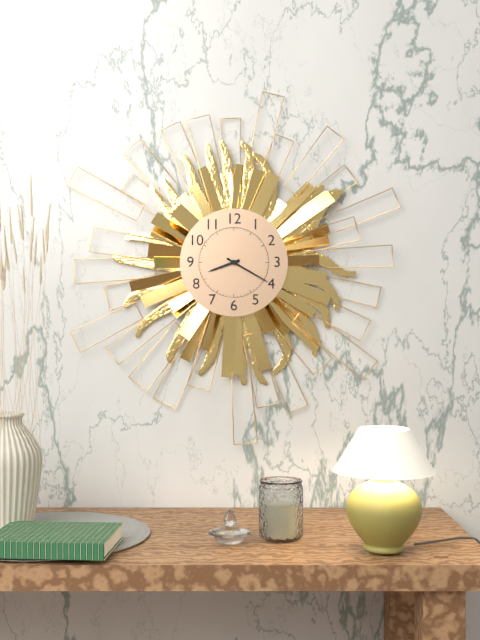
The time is 8:20
